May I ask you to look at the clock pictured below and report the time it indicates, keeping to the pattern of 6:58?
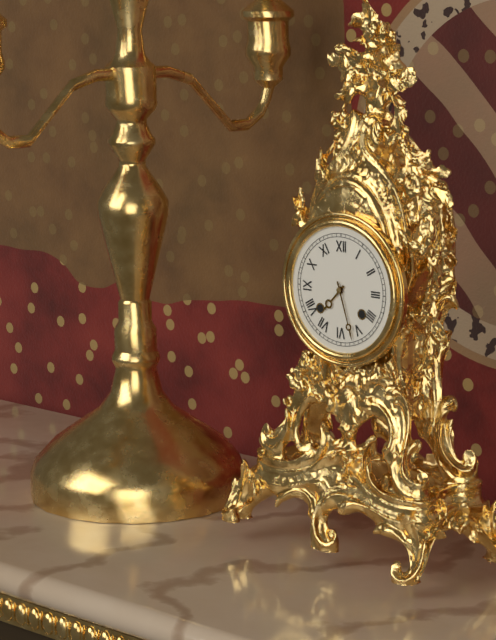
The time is 7:27
